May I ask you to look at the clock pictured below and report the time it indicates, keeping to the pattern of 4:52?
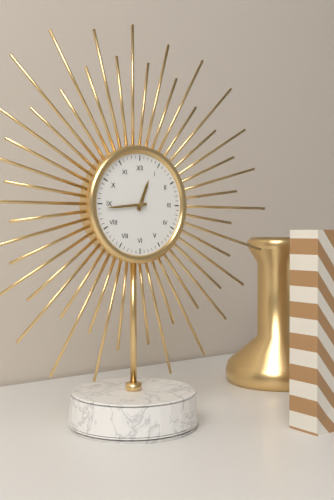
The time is 12:44
